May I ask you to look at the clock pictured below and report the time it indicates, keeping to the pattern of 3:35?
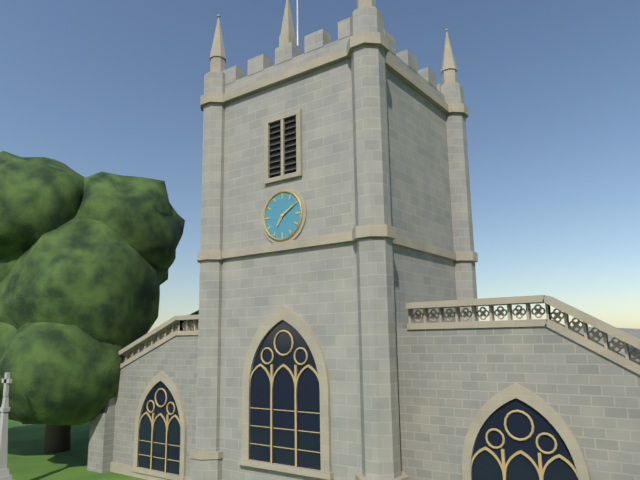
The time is 7:10
